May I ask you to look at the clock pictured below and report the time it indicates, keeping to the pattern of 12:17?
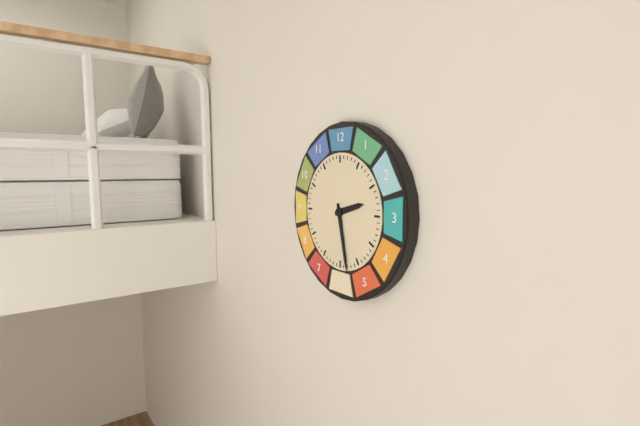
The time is 2:28
